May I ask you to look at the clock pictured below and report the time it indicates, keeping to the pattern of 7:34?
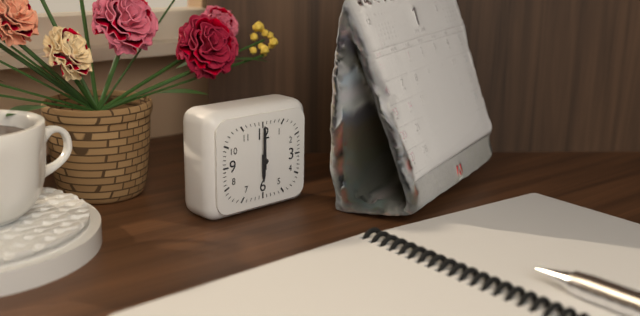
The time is 6:00
